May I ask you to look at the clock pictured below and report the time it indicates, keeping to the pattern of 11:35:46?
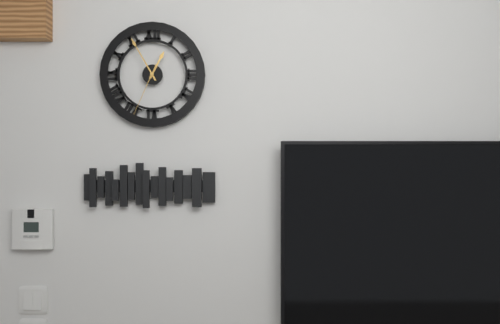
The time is 12:55:34
